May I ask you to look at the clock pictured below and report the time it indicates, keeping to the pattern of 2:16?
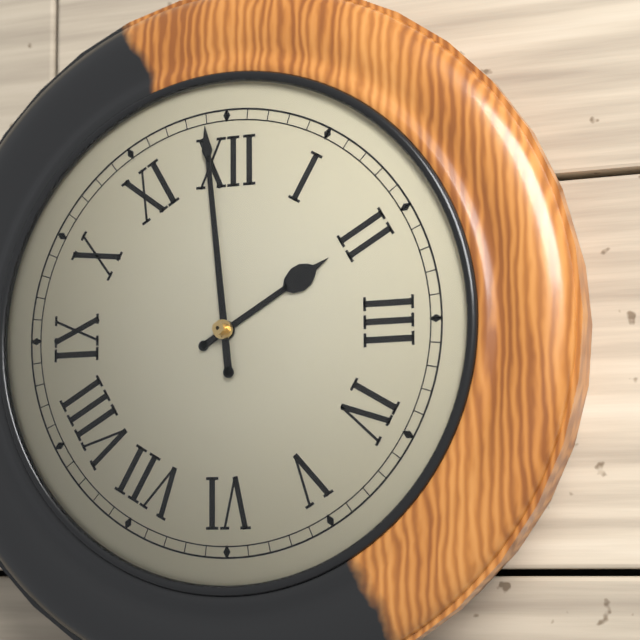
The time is 1:59
